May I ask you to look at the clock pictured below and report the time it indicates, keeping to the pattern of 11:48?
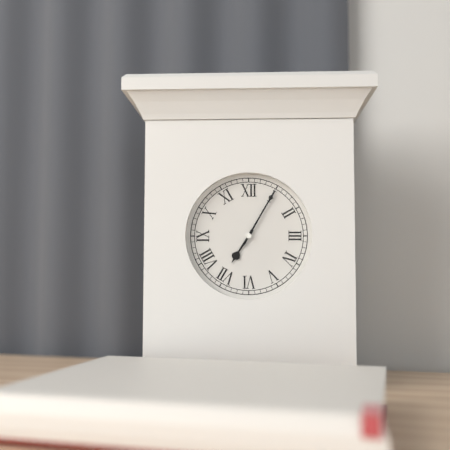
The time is 7:05
